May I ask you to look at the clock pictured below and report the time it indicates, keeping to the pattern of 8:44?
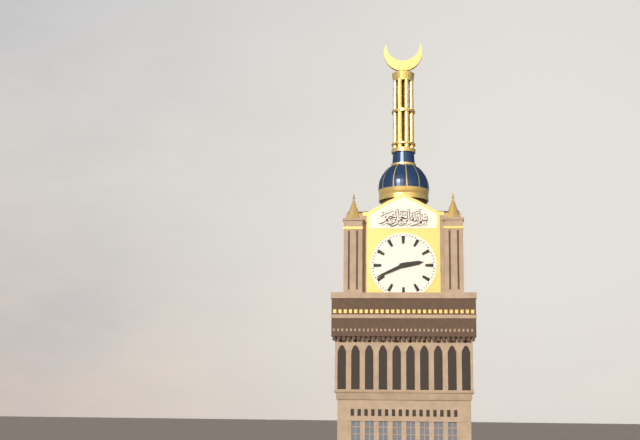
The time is 2:41
